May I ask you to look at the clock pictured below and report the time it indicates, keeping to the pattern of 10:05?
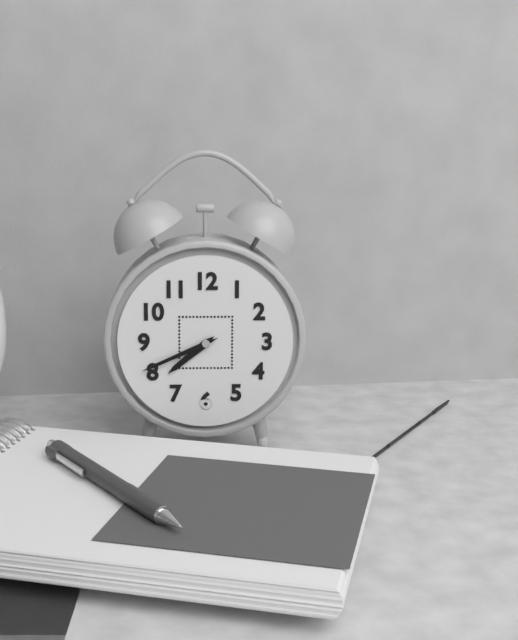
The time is 7:41
